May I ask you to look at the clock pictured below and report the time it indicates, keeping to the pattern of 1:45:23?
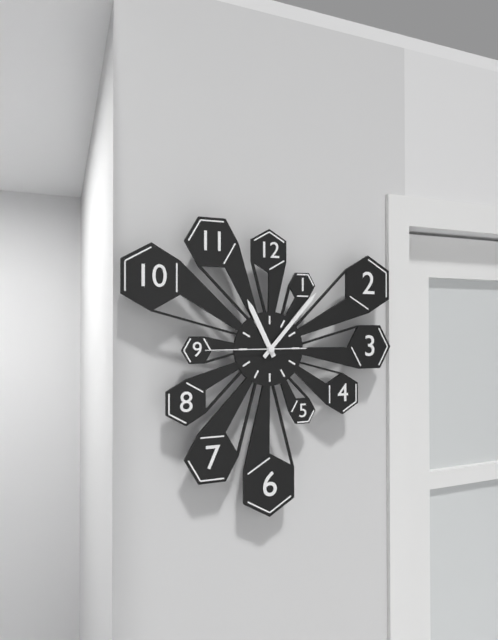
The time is 11:07:45
